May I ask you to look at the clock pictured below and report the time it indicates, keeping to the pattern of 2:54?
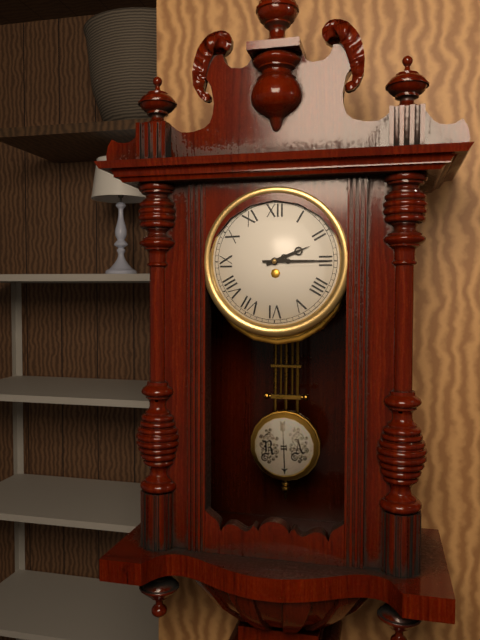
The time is 2:15
